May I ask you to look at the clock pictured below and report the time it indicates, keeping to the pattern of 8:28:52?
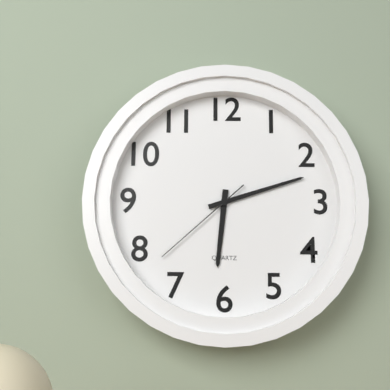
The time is 6:12:38
